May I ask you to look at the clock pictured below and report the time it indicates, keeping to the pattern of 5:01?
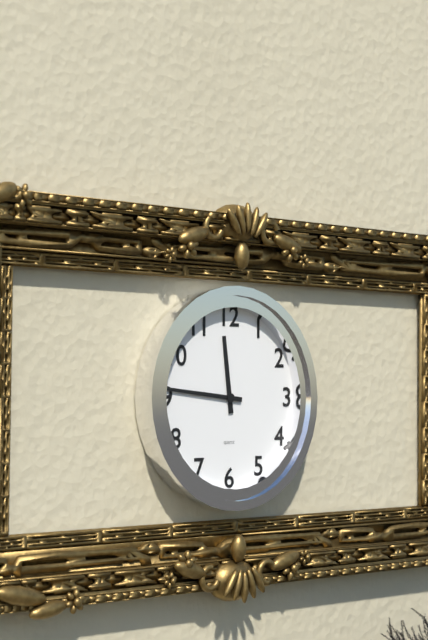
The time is 11:46
